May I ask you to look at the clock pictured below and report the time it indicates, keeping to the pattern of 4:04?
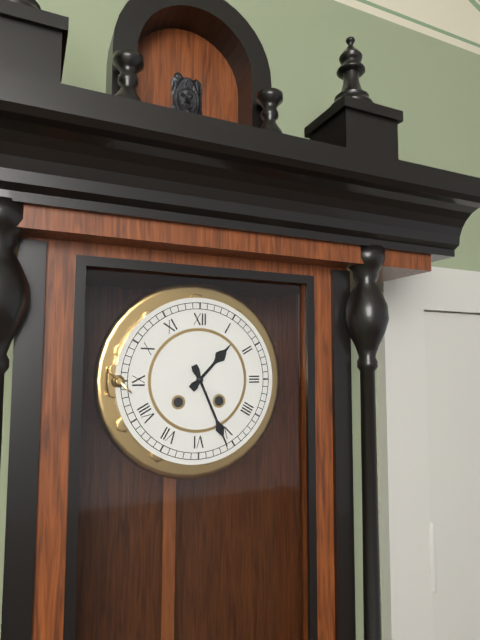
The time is 1:26
